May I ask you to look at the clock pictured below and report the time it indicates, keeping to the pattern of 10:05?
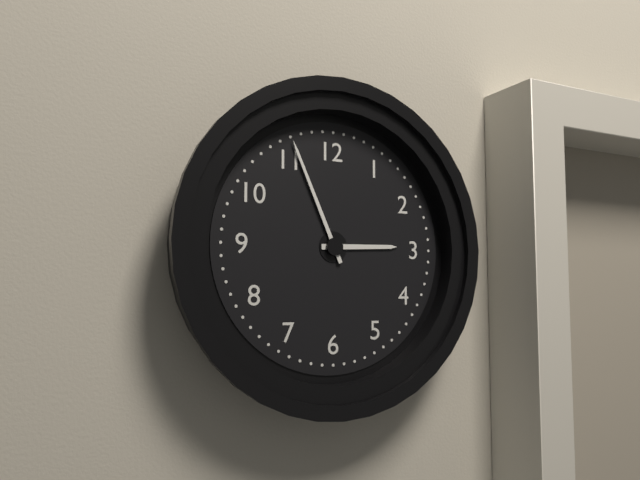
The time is 2:56
